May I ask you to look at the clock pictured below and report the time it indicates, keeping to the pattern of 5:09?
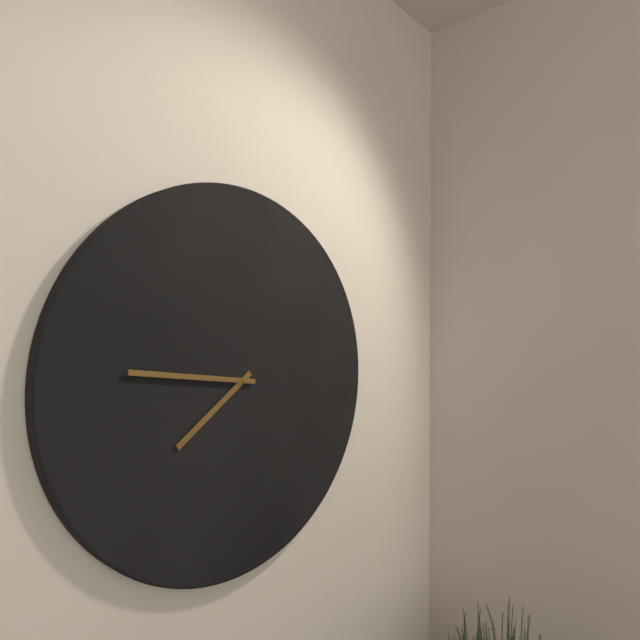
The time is 7:46
